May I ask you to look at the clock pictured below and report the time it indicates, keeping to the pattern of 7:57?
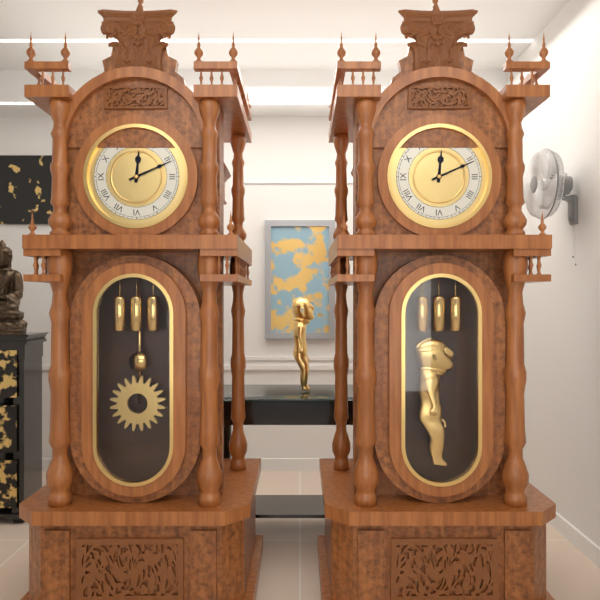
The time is 12:11
